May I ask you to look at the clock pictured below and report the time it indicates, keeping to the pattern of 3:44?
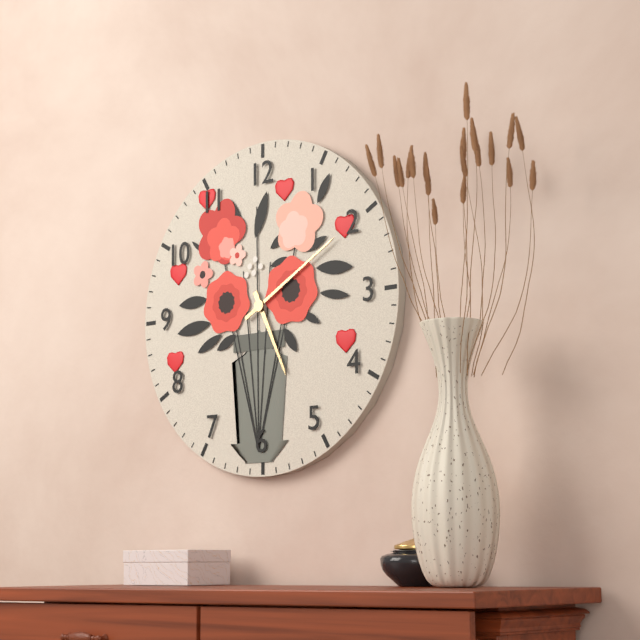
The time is 5:10
